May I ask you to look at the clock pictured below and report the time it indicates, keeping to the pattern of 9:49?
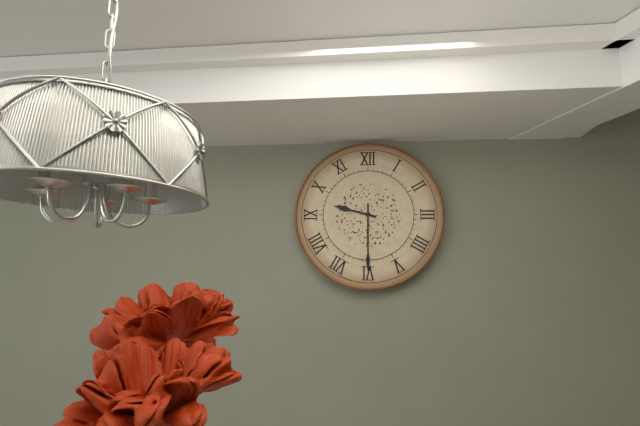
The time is 9:30
